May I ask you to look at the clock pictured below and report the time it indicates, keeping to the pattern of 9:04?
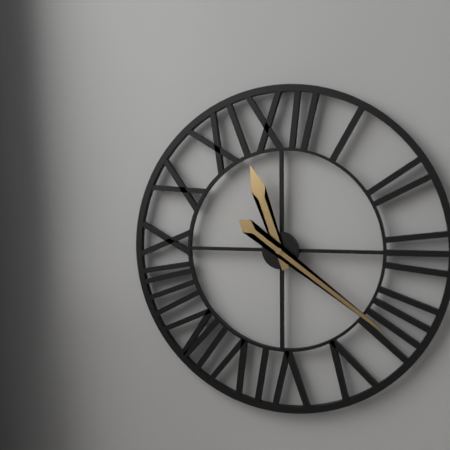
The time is 11:21
